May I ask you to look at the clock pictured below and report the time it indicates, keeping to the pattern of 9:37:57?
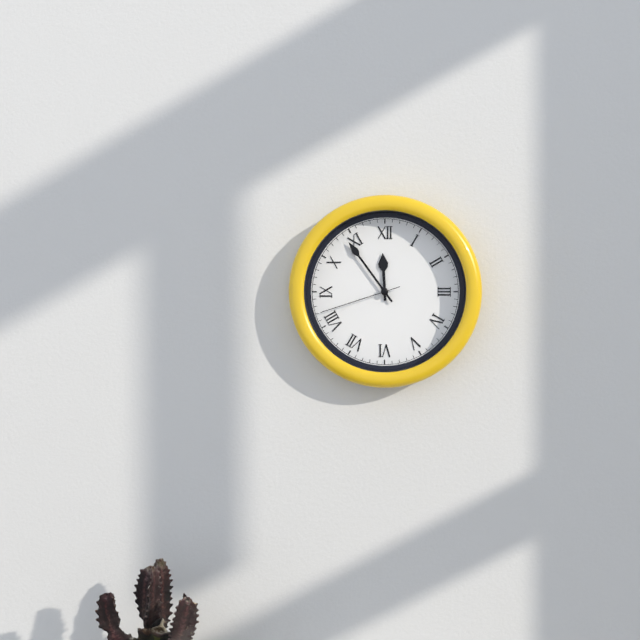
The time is 11:54:42
